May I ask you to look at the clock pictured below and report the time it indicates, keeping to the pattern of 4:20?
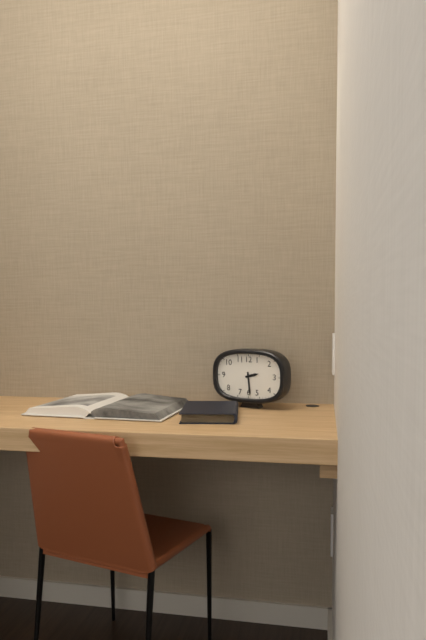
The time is 2:29
